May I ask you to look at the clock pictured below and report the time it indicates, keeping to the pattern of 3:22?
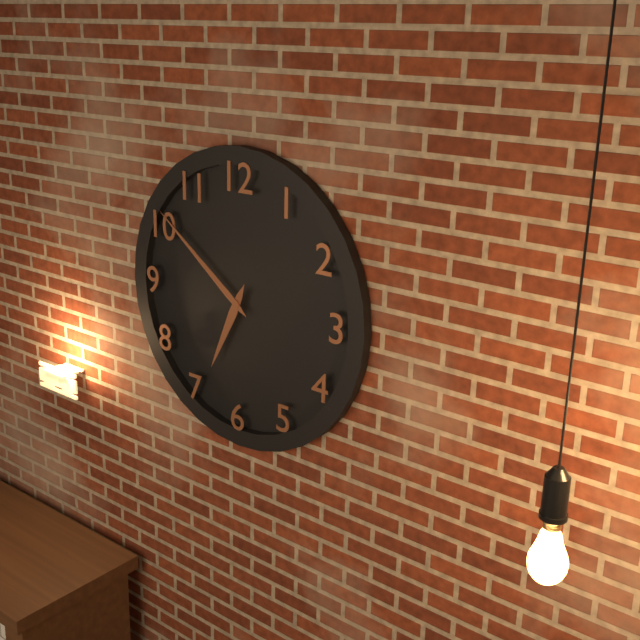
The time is 6:51
